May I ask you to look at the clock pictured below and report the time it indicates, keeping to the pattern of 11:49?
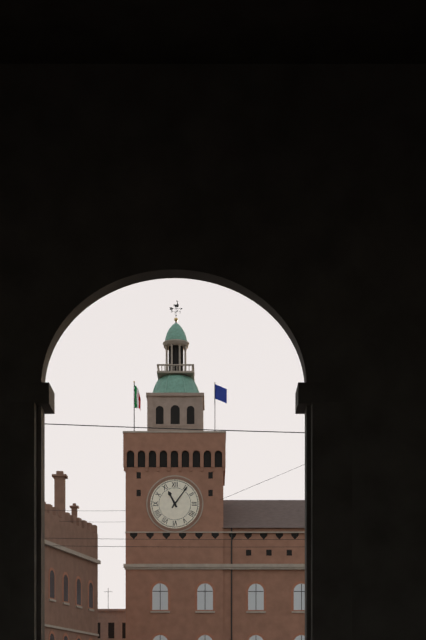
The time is 11:06
